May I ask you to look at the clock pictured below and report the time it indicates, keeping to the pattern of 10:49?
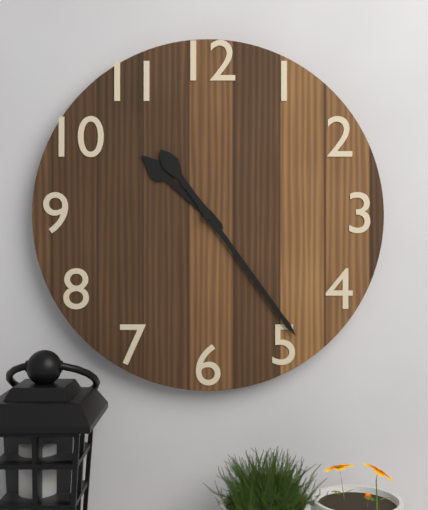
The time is 10:24
